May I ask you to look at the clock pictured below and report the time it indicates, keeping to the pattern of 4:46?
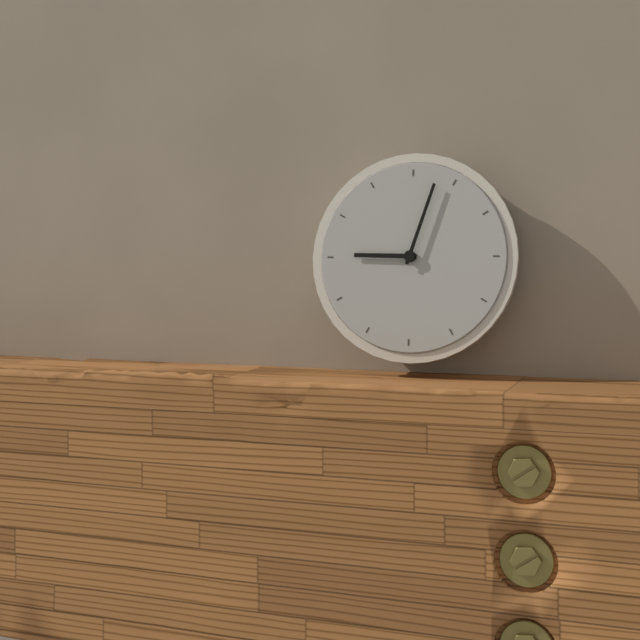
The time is 9:03
